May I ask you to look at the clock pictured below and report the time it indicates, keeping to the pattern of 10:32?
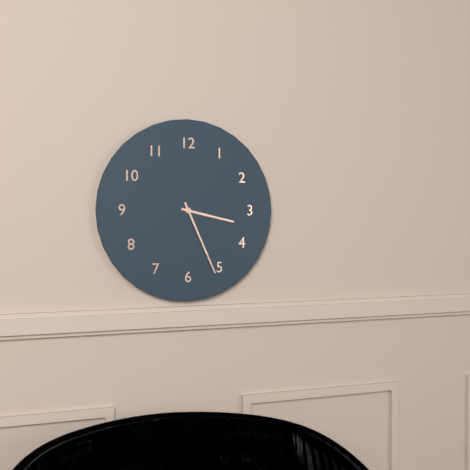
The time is 3:26
